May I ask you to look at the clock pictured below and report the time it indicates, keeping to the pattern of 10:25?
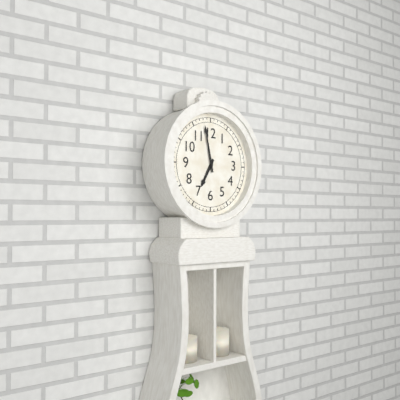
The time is 6:58
